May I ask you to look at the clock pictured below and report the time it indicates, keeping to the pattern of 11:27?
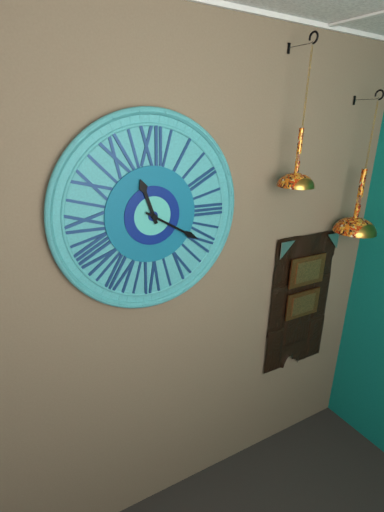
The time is 11:20
